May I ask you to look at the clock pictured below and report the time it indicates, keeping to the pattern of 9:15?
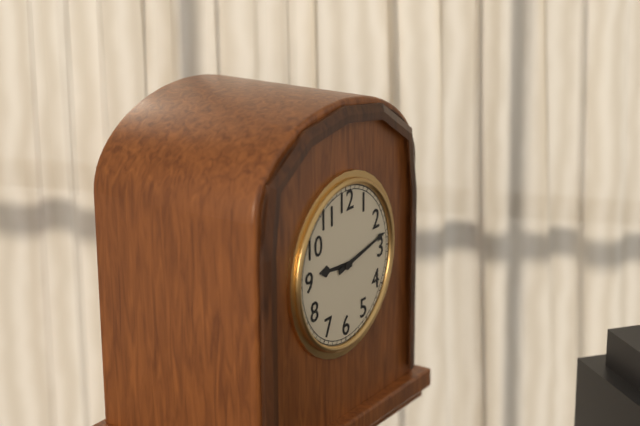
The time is 9:13
